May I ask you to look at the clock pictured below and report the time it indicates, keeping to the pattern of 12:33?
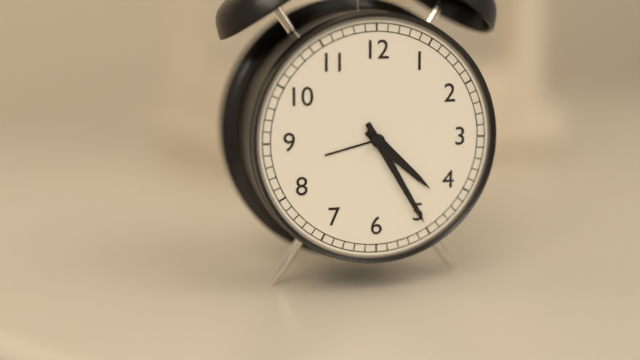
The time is 4:25
